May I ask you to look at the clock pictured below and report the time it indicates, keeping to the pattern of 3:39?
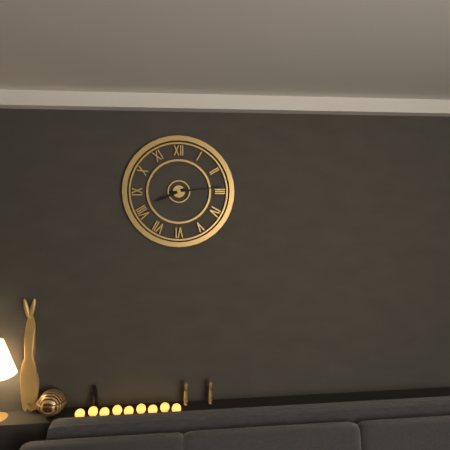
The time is 8:14
